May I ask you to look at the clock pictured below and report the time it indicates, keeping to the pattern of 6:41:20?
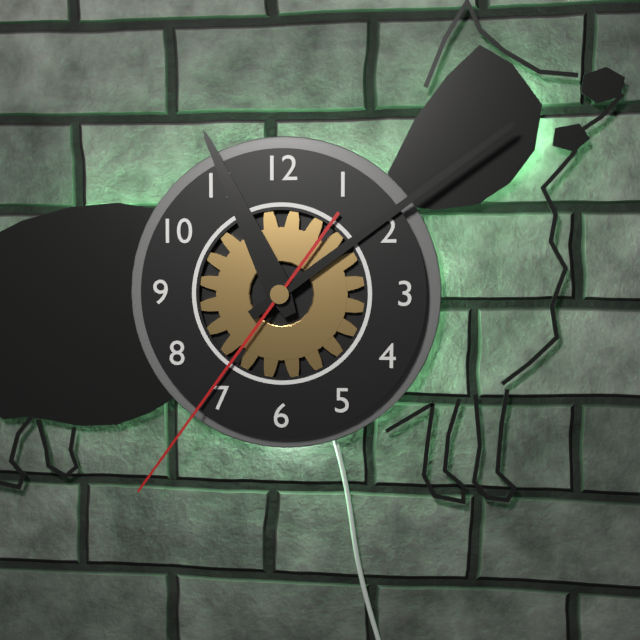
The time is 11:09:36
